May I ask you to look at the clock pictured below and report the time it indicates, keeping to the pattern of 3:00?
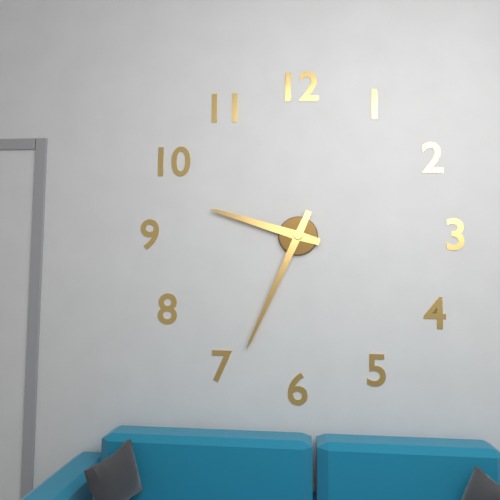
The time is 9:34
